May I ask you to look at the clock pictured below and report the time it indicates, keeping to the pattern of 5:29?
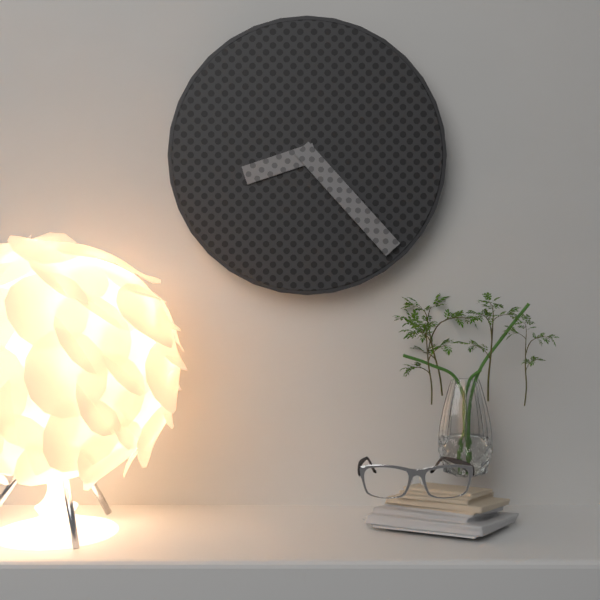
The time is 8:23
